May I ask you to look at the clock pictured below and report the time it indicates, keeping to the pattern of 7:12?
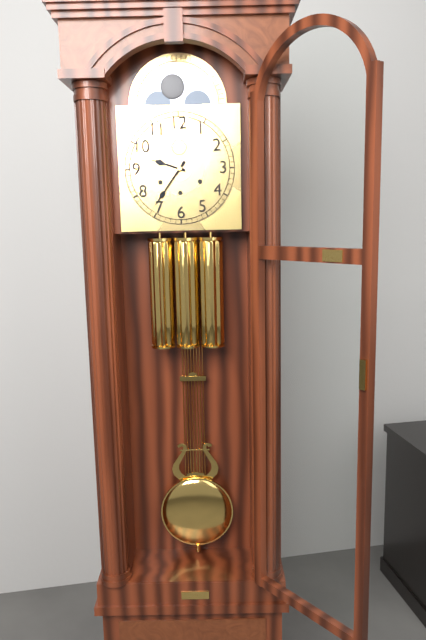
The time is 9:36
